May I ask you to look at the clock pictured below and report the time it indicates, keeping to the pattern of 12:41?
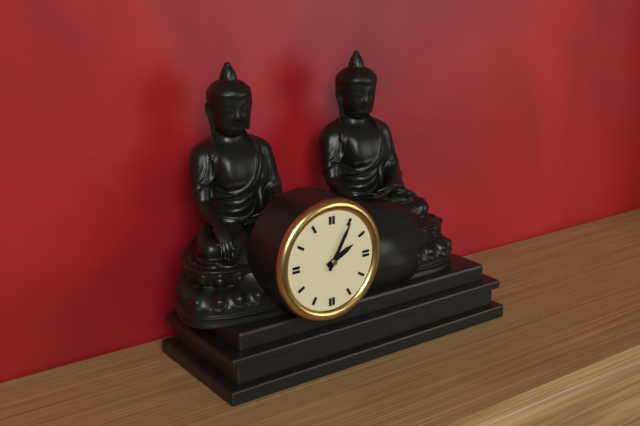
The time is 2:05
